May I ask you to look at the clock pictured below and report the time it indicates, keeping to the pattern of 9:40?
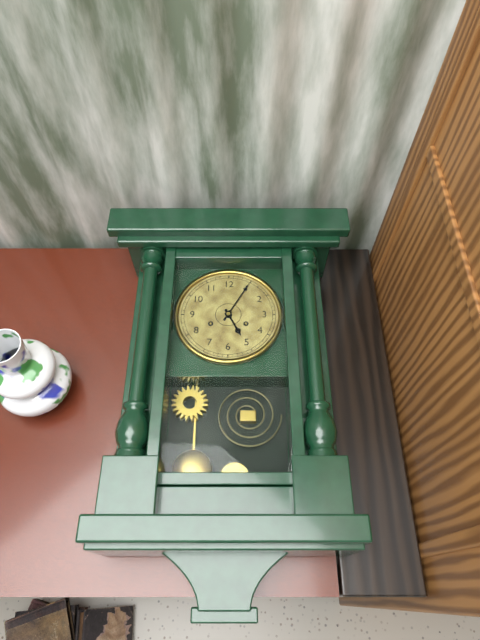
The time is 5:05
